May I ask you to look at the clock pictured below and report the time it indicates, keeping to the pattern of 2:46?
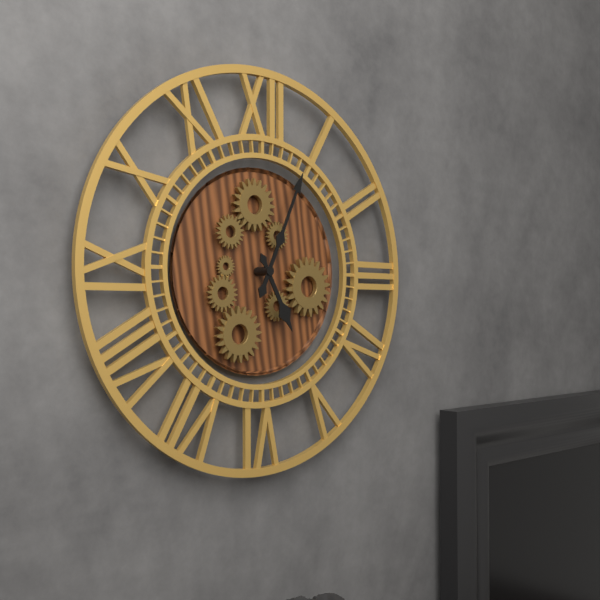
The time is 5:04
